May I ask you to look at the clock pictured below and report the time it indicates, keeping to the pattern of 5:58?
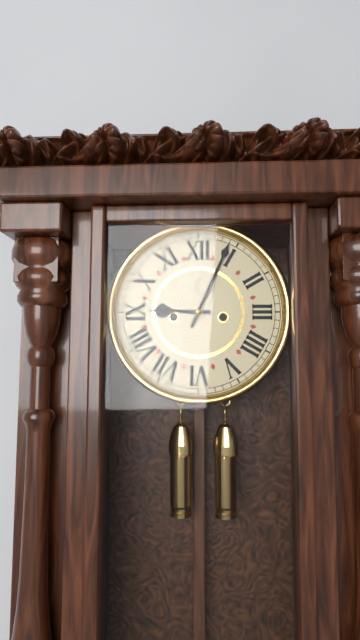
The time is 9:04
